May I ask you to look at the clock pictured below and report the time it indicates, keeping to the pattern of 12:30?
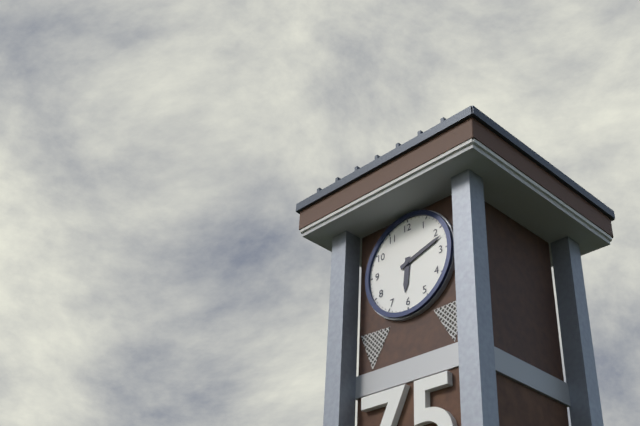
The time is 6:12
